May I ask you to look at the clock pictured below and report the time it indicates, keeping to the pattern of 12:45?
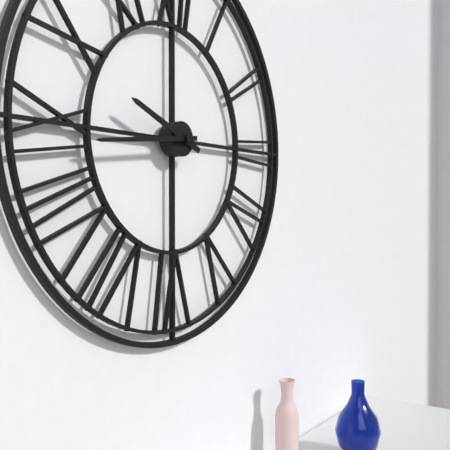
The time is 9:44
